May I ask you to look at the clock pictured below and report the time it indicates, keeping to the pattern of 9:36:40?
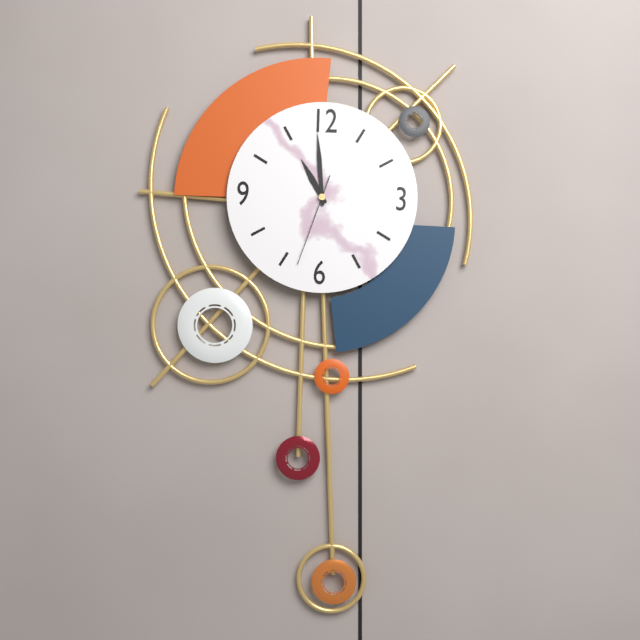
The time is 10:59:33
